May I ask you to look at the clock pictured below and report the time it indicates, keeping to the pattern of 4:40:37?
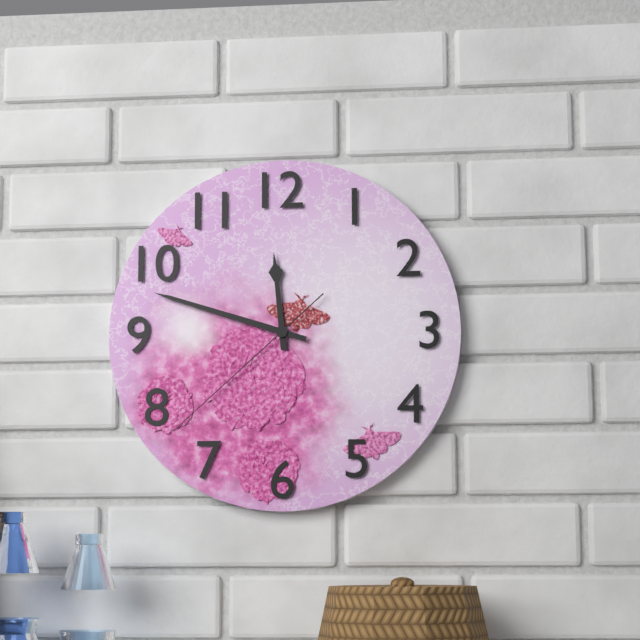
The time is 11:48:38
